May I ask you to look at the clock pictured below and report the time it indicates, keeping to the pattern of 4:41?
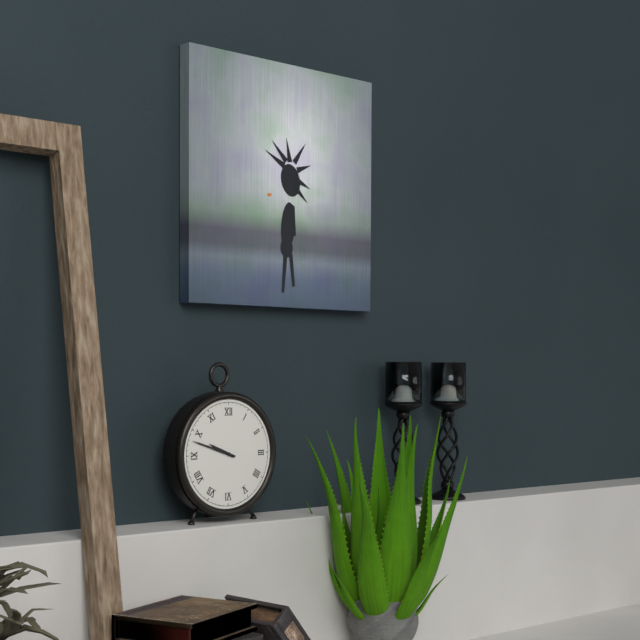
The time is 9:48
